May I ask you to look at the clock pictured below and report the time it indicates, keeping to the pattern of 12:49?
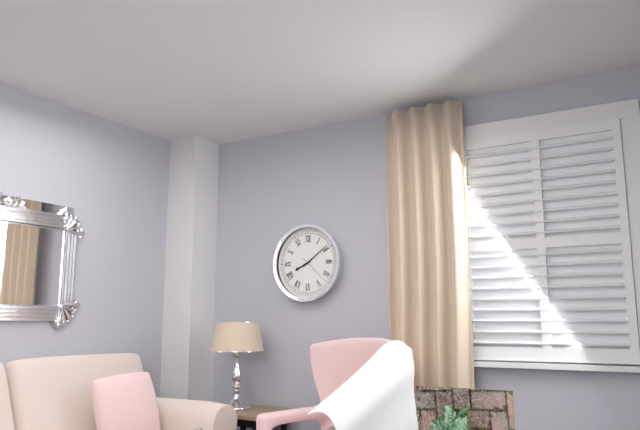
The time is 8:09
